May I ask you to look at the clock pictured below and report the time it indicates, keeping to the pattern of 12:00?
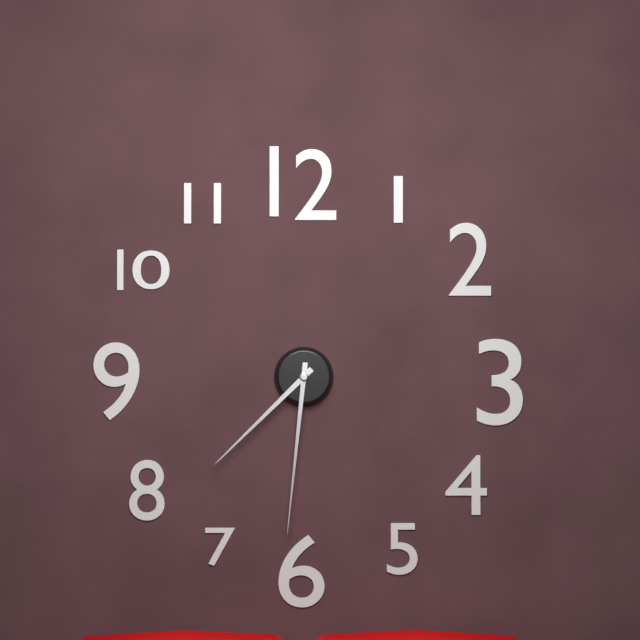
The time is 7:31
